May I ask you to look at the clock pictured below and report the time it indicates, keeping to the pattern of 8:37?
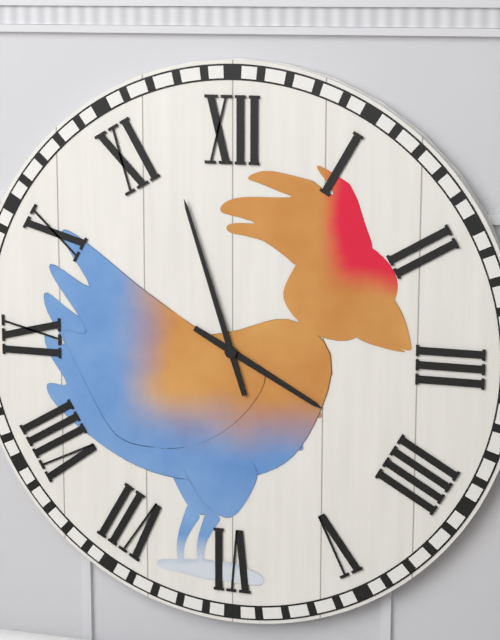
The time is 3:57
